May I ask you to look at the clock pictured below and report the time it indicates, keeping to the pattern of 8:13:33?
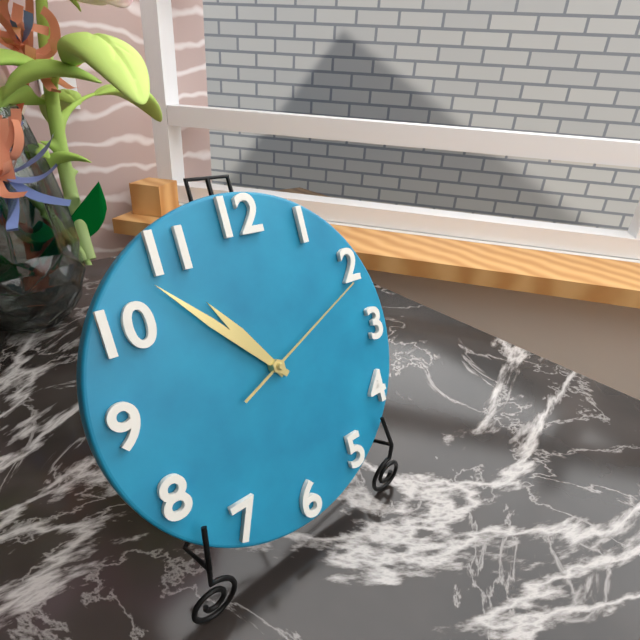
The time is 10:53:11
